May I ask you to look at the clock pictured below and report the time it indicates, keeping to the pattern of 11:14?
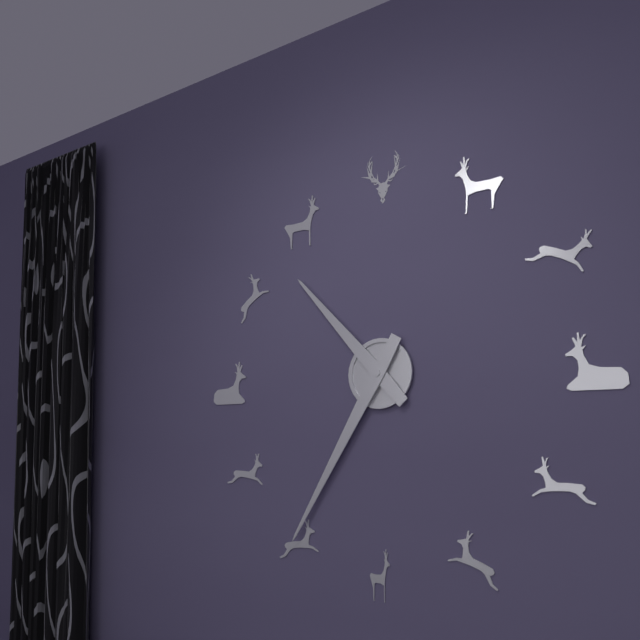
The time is 10:35
